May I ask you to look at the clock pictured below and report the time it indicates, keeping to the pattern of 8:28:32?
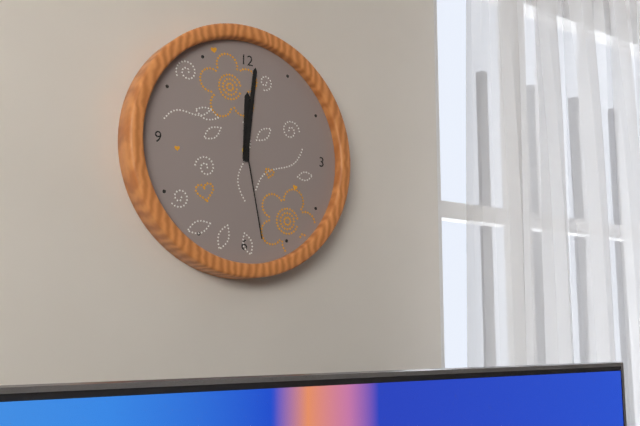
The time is 12:01:28
